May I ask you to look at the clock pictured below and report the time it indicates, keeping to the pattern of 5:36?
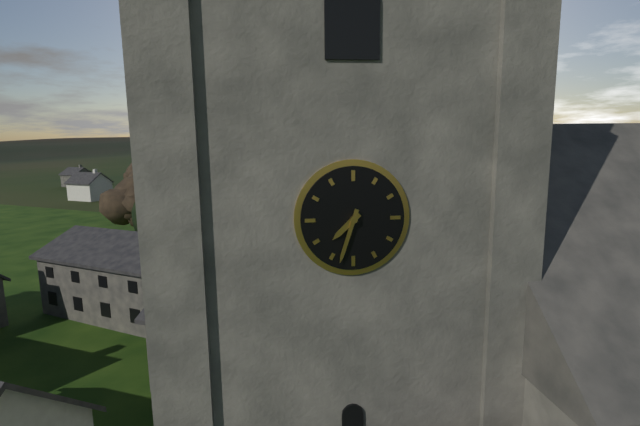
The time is 7:33
